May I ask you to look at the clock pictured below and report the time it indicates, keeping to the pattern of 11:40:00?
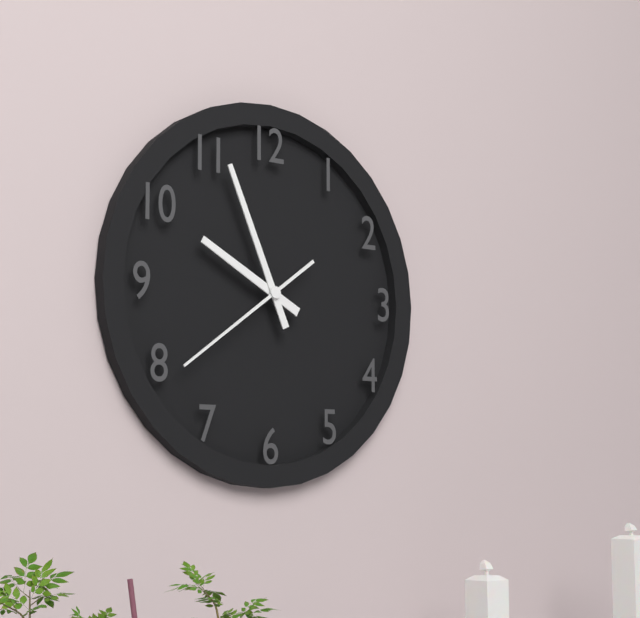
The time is 9:56:39
